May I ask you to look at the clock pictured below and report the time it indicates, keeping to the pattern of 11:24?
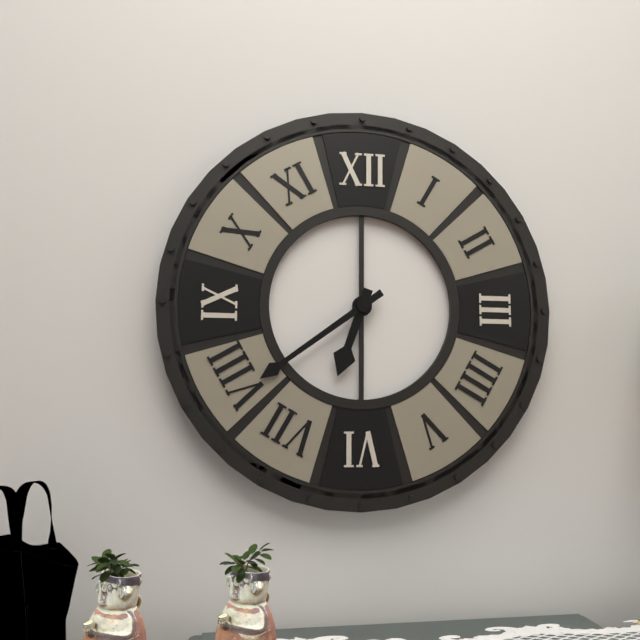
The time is 6:39
